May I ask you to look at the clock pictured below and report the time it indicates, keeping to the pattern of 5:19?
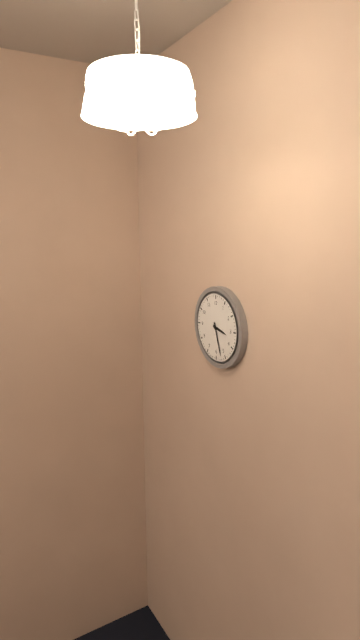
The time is 3:27
